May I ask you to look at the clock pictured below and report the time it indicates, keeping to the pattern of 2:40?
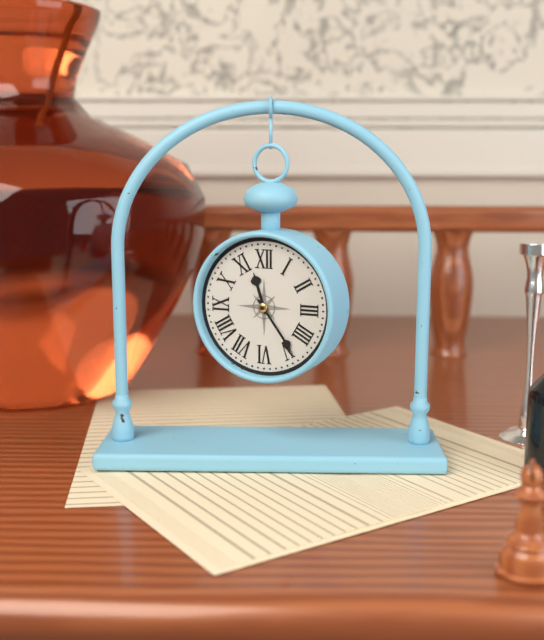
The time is 11:24
